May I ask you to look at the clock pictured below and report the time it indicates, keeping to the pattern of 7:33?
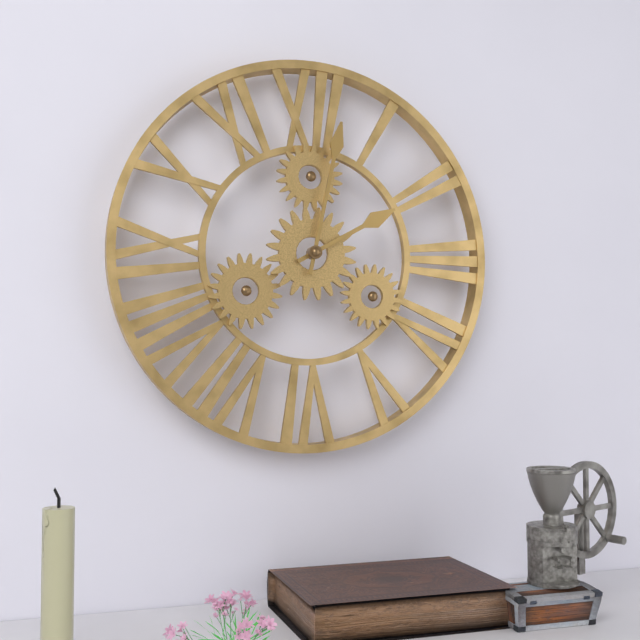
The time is 2:02
